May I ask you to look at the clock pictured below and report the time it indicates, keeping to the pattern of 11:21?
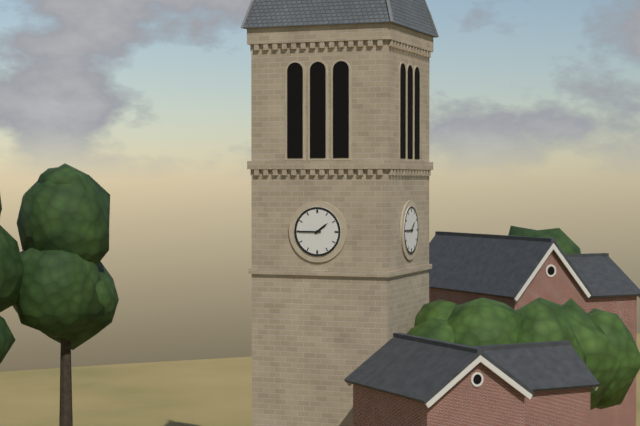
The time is 1:45
